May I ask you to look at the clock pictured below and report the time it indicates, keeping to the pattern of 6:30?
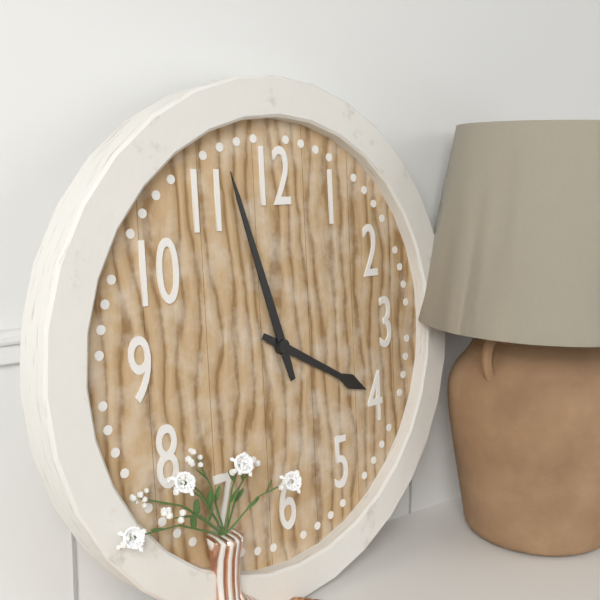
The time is 3:57
